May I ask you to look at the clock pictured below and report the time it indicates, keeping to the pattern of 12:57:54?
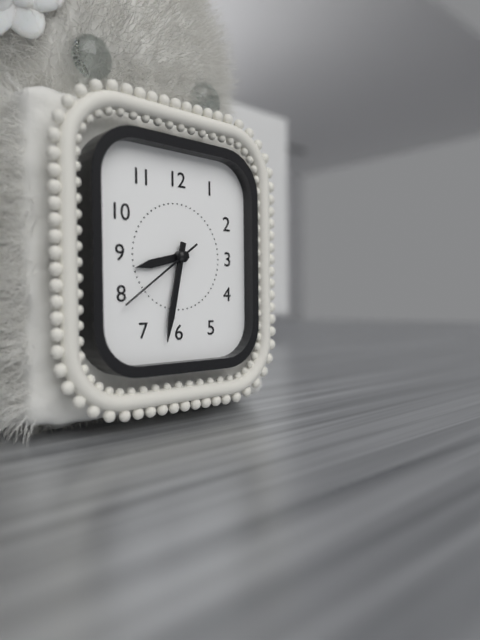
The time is 8:32:39
